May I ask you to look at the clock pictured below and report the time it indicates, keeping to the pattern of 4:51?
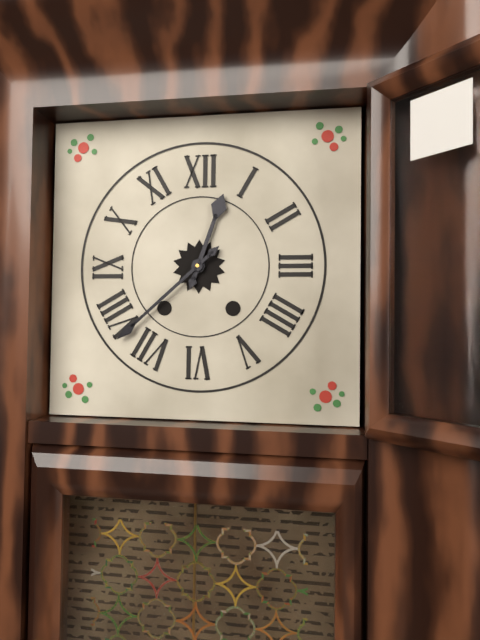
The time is 12:38
